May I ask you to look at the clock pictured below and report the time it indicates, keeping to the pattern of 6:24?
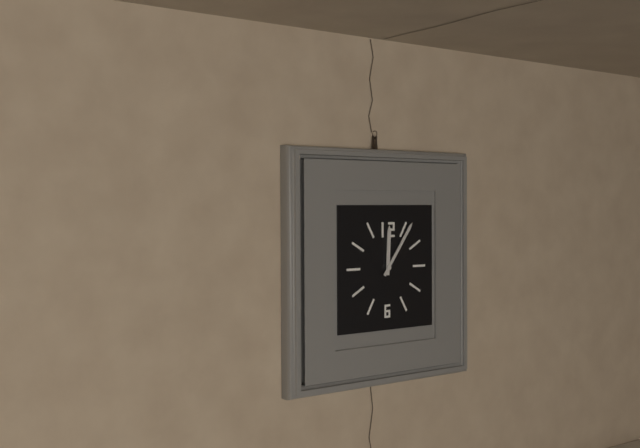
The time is 12:06
